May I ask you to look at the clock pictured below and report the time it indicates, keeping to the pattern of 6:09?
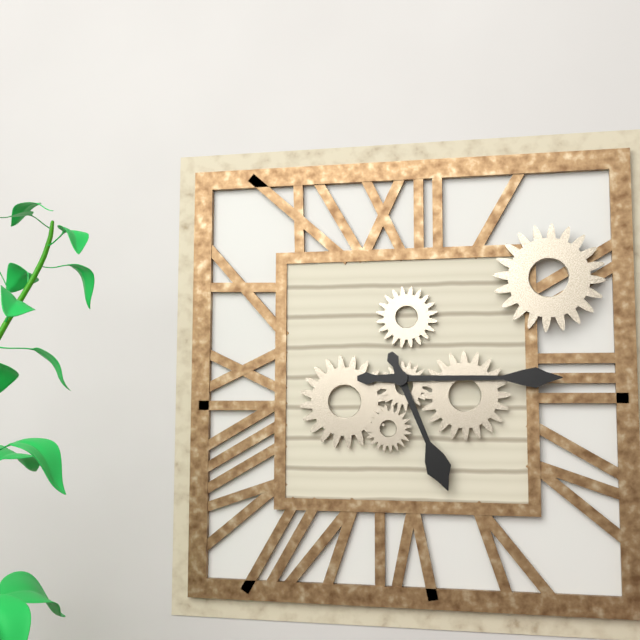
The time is 5:15
